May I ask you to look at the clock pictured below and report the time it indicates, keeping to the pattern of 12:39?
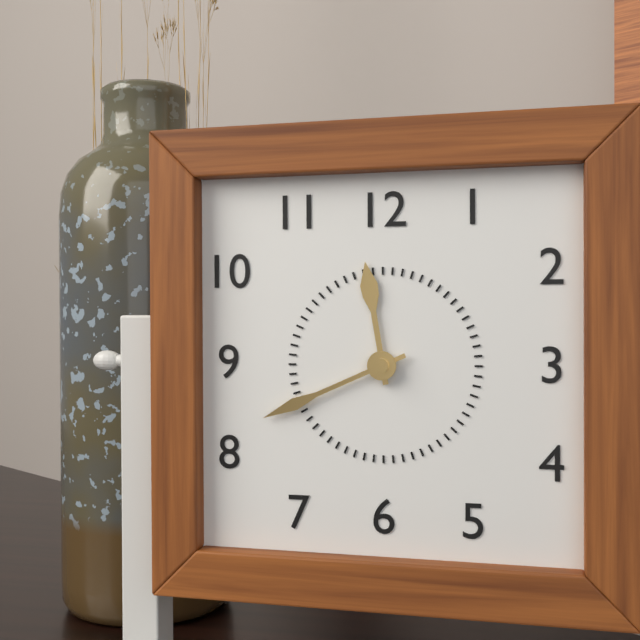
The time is 11:41
